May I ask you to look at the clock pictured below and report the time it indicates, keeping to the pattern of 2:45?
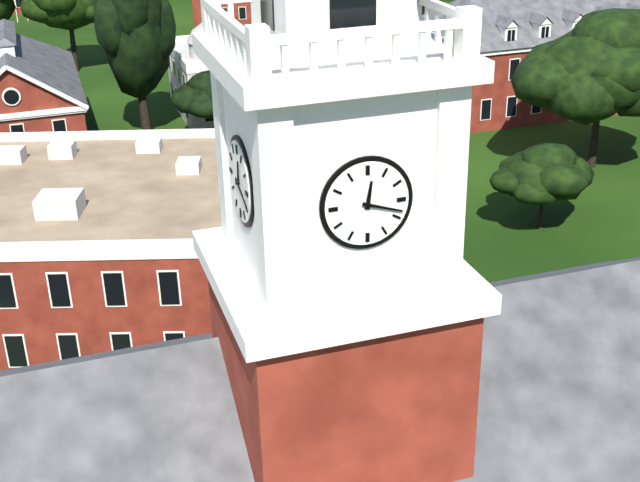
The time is 12:18
